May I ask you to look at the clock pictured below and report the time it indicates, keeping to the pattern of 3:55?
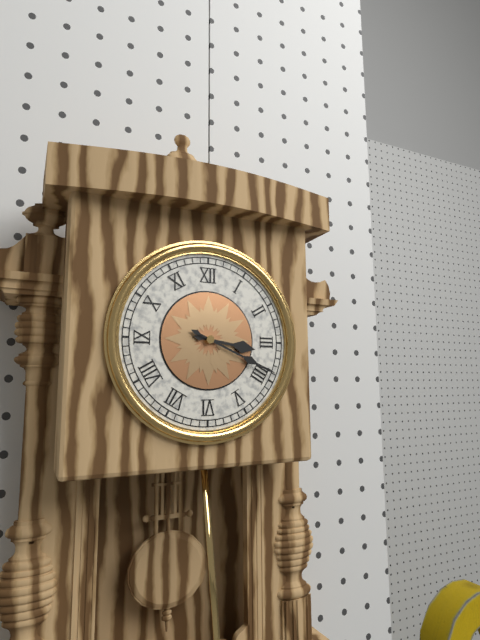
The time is 3:19
